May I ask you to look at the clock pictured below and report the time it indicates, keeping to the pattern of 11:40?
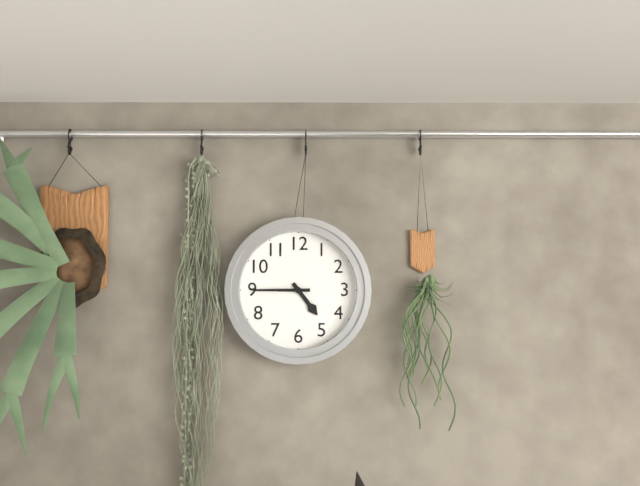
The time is 4:45
